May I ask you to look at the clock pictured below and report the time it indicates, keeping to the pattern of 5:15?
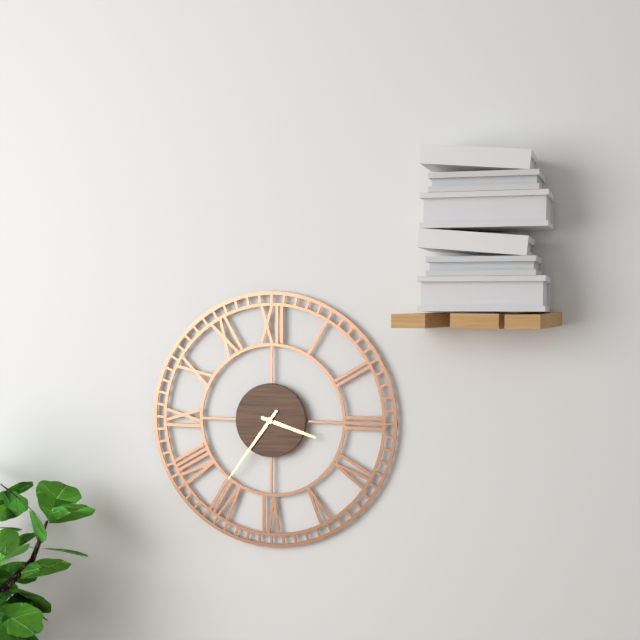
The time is 3:36
